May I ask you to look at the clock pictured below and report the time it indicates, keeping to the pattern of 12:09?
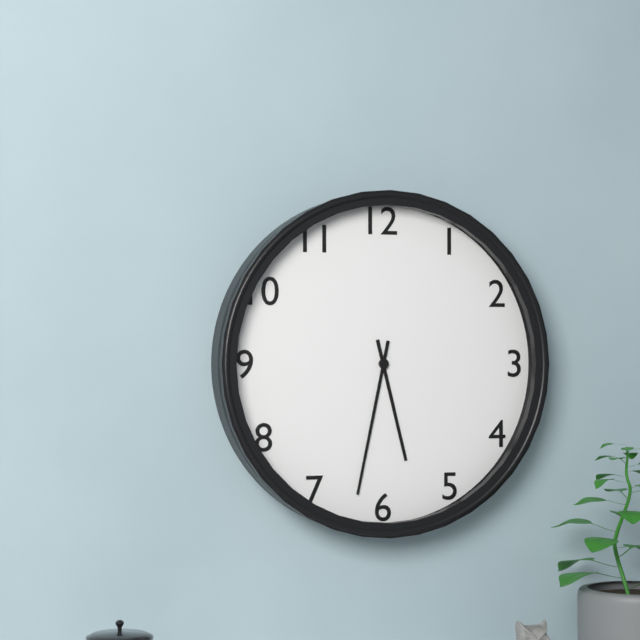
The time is 5:32
